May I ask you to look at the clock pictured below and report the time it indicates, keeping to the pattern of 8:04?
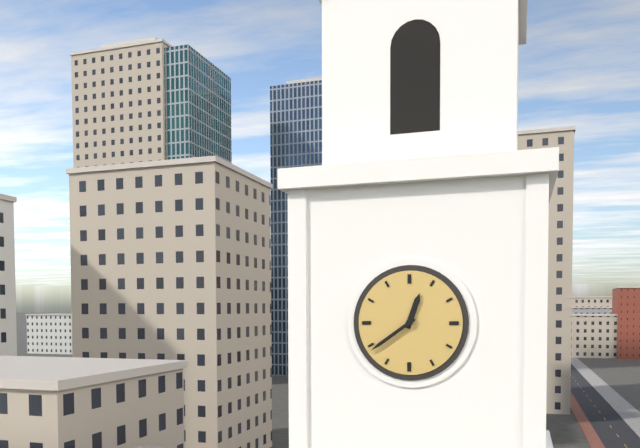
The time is 12:39
